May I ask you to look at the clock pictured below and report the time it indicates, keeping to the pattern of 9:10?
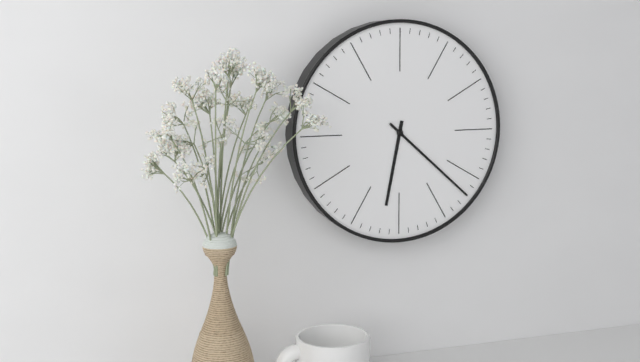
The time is 6:22
